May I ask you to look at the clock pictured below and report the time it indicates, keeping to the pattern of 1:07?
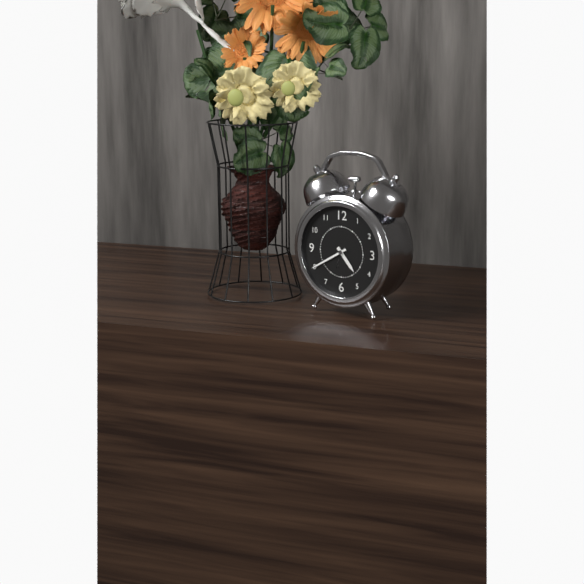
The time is 4:40
